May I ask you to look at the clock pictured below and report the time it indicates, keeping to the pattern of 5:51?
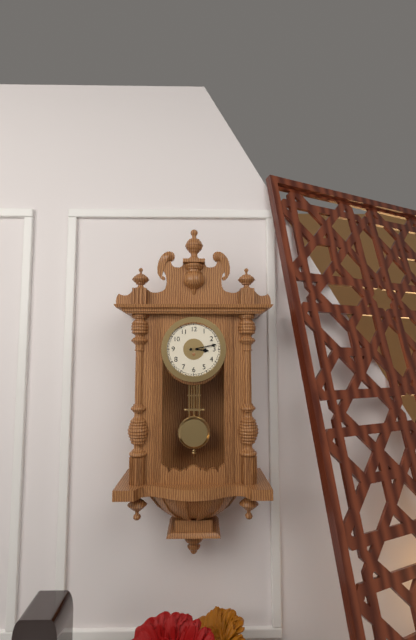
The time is 3:13
